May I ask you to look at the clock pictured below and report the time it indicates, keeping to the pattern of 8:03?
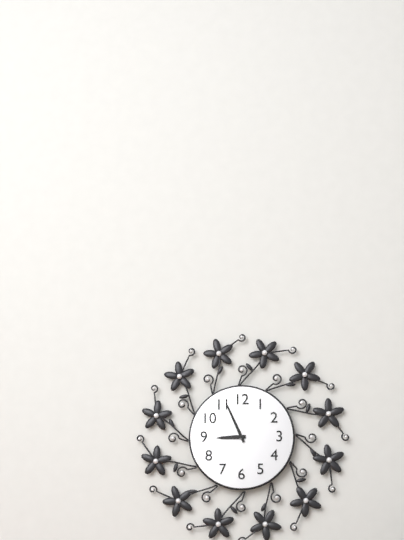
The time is 8:56
